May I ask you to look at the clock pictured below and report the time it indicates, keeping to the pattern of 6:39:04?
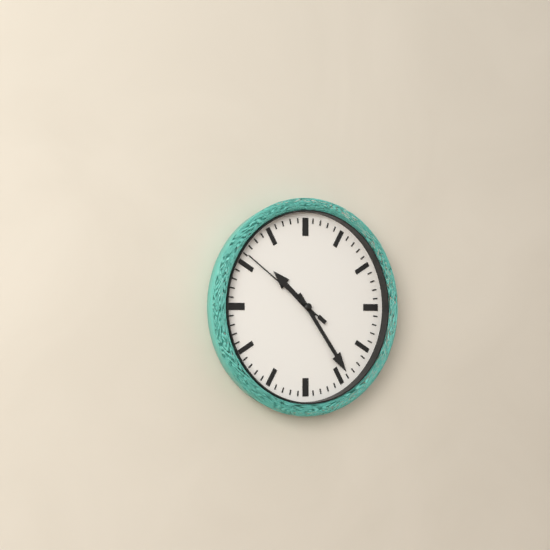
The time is 10:24:51
